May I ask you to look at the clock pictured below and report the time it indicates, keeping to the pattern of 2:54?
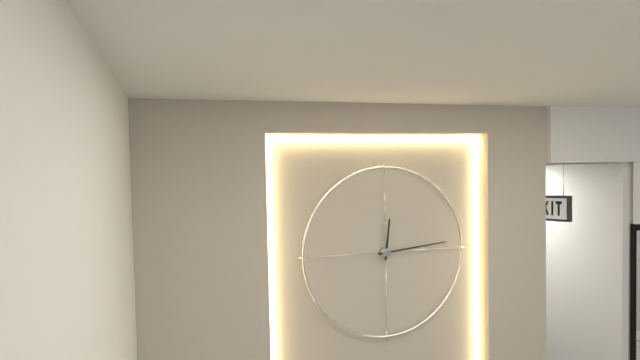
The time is 12:14
